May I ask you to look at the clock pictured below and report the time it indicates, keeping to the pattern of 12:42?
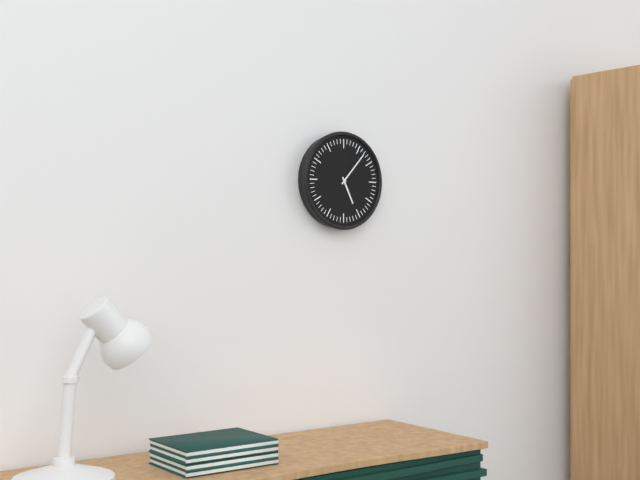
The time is 5:07
